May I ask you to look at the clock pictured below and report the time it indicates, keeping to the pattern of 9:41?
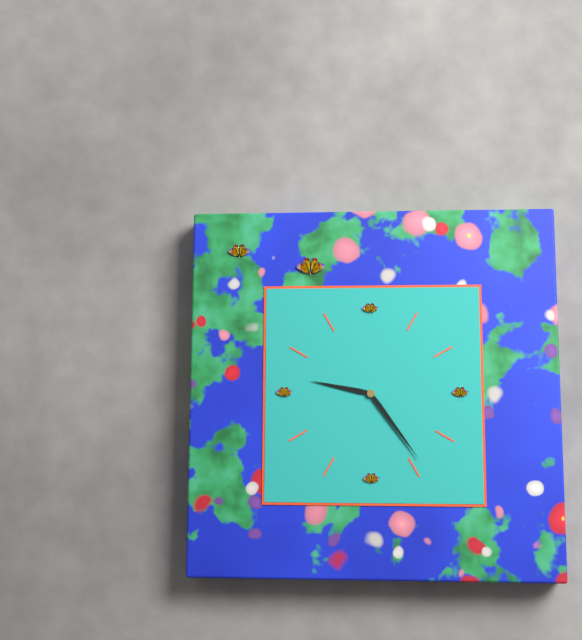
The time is 9:24
